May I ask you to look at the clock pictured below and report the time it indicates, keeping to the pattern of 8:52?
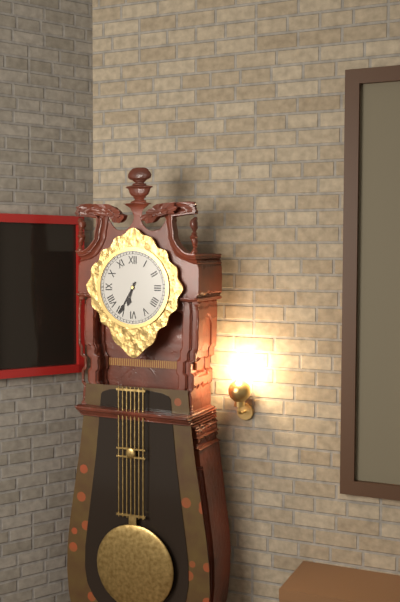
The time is 6:35
